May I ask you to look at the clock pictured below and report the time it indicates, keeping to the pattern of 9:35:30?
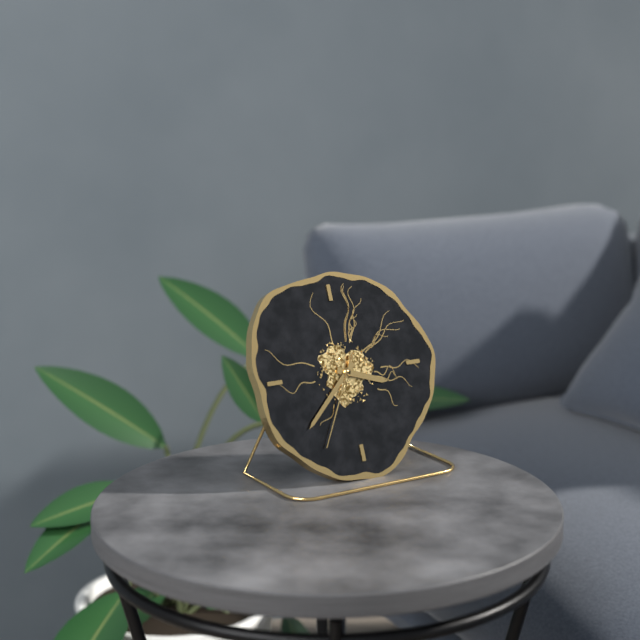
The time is 3:38:35
